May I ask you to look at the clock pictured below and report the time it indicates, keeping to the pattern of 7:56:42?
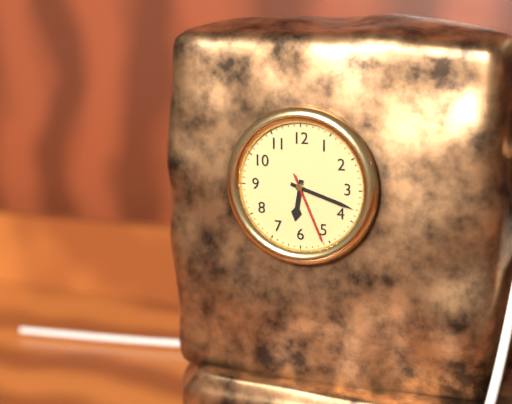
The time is 6:18:26
